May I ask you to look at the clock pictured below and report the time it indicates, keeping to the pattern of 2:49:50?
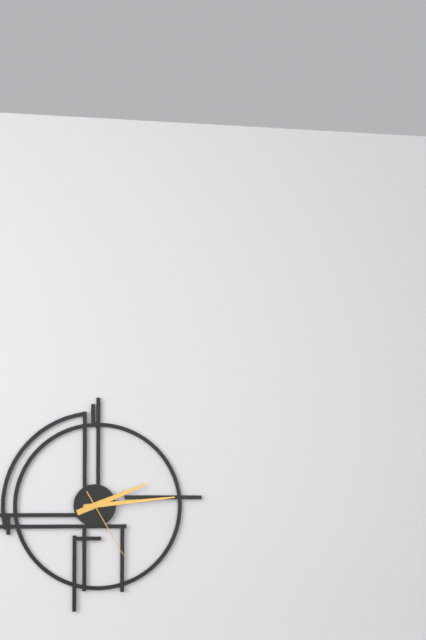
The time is 2:14:25
